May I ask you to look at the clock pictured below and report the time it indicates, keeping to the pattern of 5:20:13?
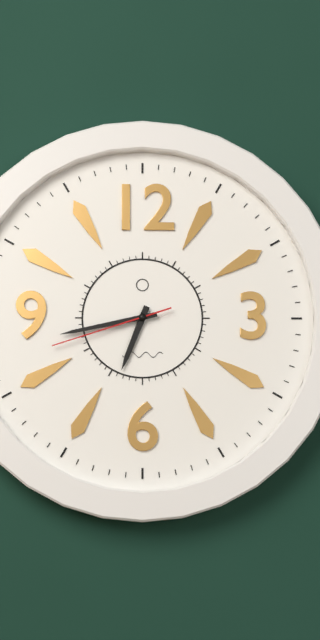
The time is 6:43:42
